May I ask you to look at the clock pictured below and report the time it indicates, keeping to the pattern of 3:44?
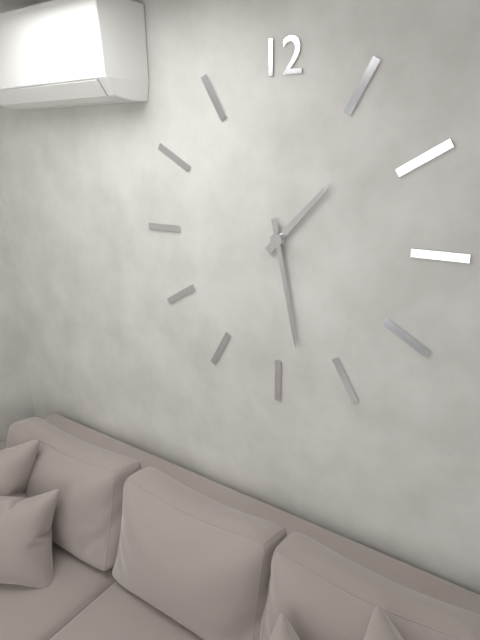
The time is 1:28
